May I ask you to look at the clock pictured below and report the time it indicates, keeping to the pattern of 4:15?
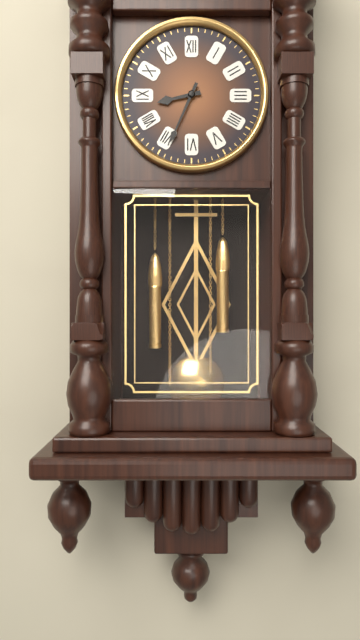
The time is 8:34
